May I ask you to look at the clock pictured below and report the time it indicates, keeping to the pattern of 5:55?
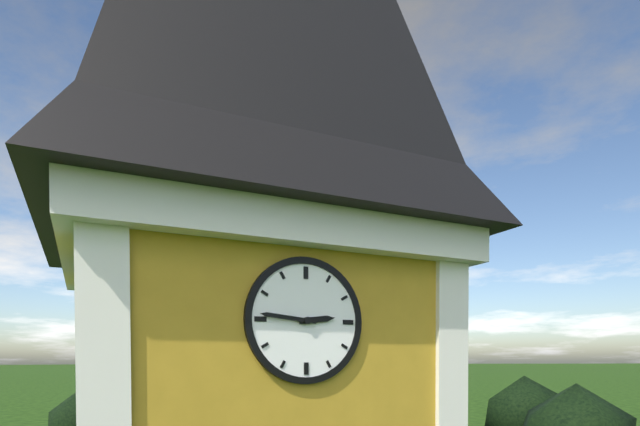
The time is 2:46
